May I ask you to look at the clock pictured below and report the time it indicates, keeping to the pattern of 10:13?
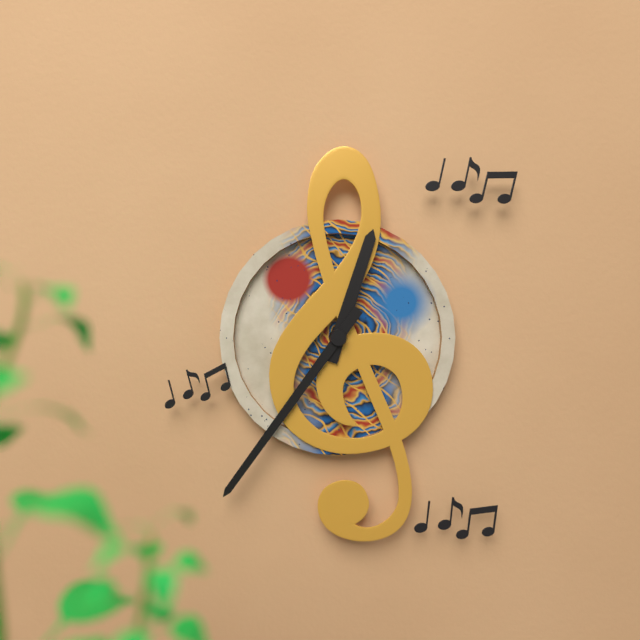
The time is 12:36
